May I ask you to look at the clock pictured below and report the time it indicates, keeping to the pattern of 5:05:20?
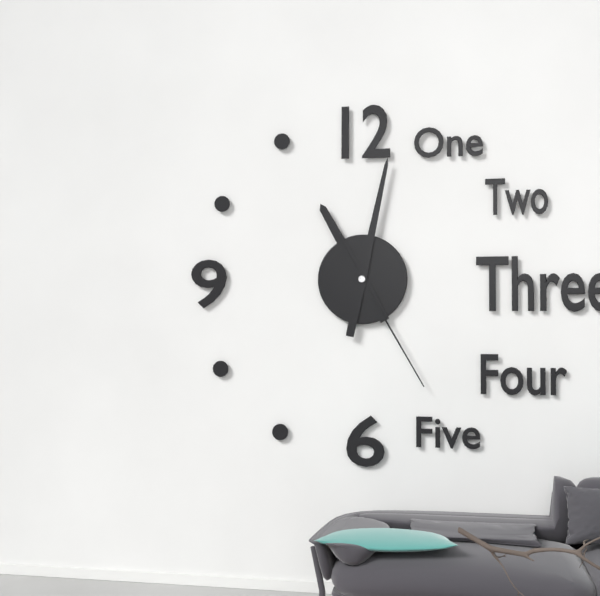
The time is 11:02:25
